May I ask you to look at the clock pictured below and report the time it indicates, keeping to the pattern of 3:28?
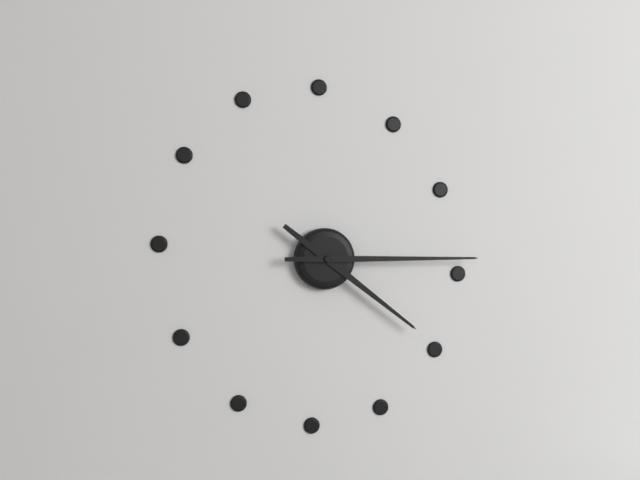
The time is 4:15
